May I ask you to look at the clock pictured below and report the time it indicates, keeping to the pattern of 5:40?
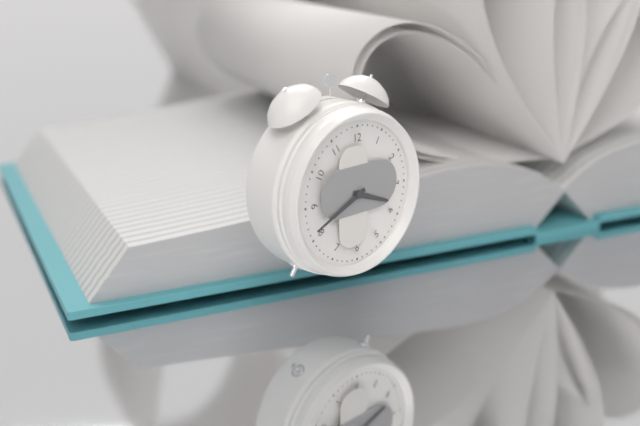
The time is 3:41
